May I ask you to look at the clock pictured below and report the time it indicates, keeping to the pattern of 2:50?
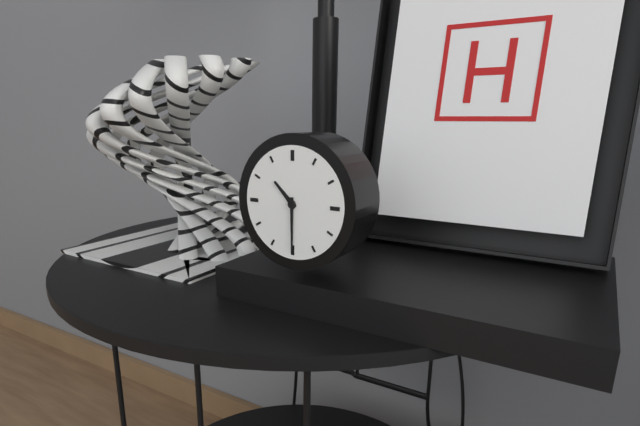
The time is 10:30
